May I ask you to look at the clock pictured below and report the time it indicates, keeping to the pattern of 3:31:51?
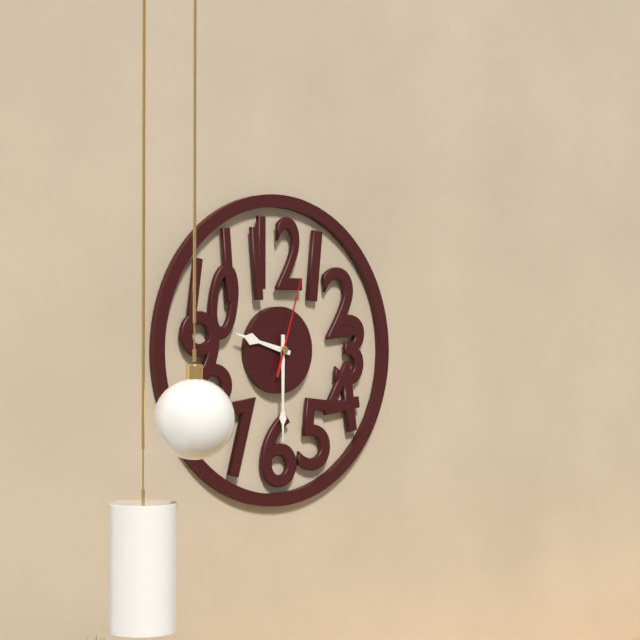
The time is 9:30:03
